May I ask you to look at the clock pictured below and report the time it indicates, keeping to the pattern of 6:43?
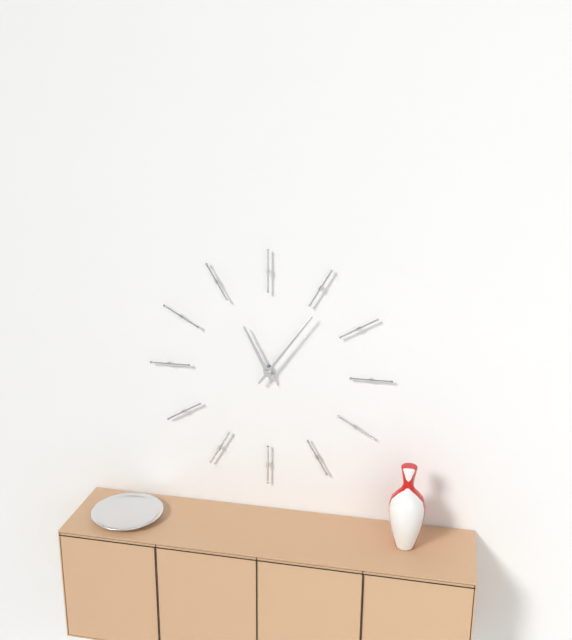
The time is 11:06
